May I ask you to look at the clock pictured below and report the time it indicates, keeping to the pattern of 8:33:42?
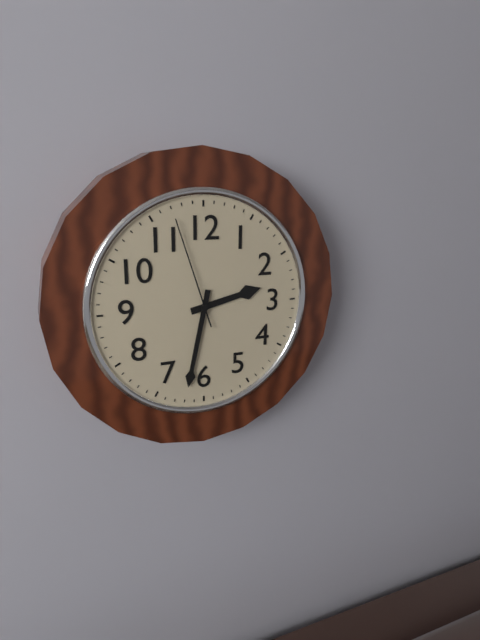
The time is 2:32:57
